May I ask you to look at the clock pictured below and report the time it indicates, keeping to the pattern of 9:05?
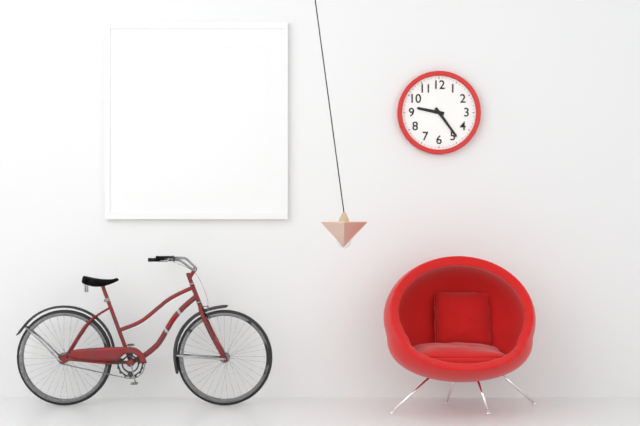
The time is 9:24
